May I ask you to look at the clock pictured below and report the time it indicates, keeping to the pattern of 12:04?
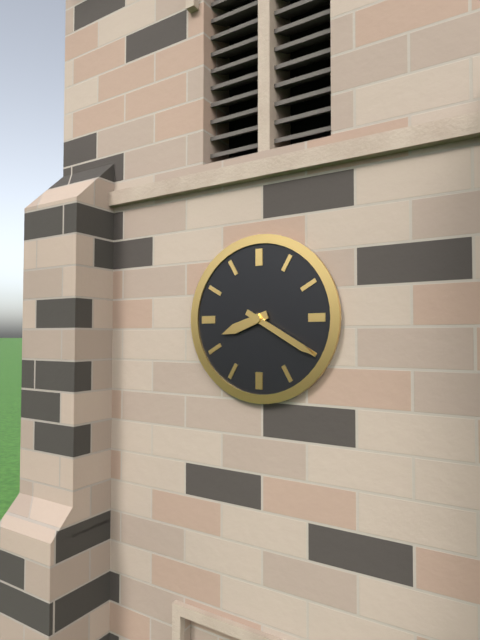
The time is 8:20
